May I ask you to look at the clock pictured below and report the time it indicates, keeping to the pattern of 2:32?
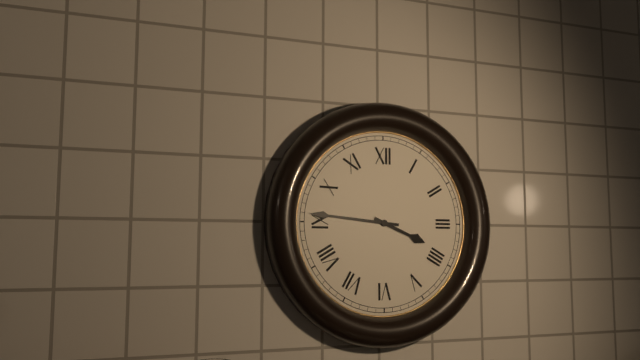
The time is 3:46
